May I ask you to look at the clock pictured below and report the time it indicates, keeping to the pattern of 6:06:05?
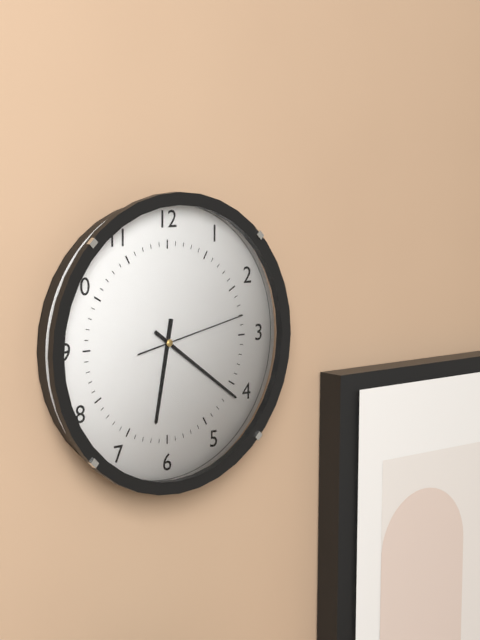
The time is 6:21:13
